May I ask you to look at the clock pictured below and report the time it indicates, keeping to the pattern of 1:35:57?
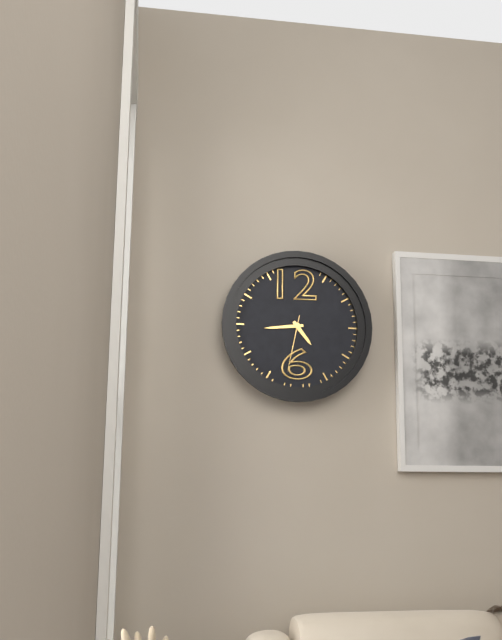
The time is 4:44:32
